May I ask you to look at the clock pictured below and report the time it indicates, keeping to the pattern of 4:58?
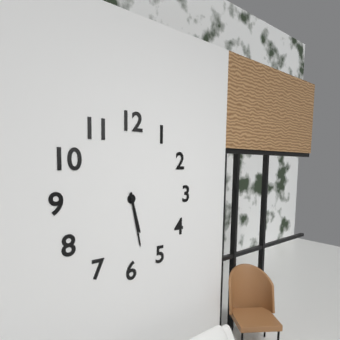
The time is 5:28
